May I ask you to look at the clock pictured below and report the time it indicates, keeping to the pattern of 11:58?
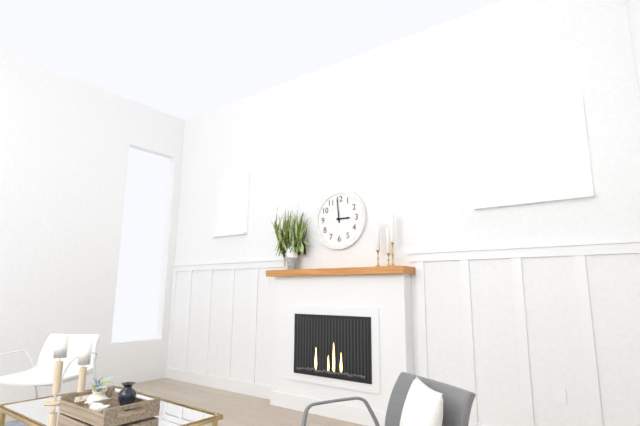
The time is 2:59
